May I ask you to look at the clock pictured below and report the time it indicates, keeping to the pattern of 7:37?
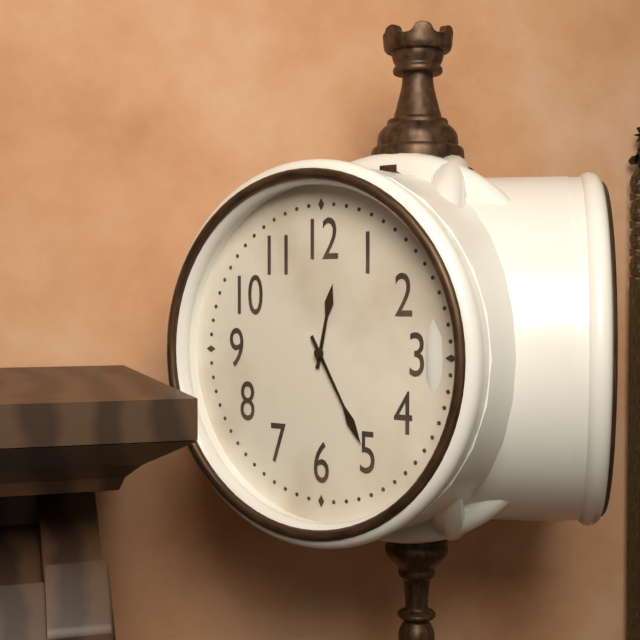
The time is 12:25
